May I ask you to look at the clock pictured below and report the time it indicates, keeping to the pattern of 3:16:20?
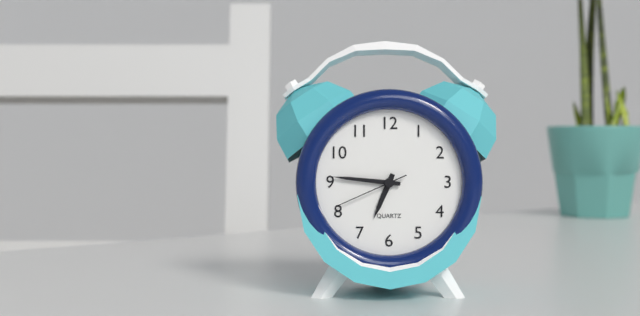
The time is 6:46:41
